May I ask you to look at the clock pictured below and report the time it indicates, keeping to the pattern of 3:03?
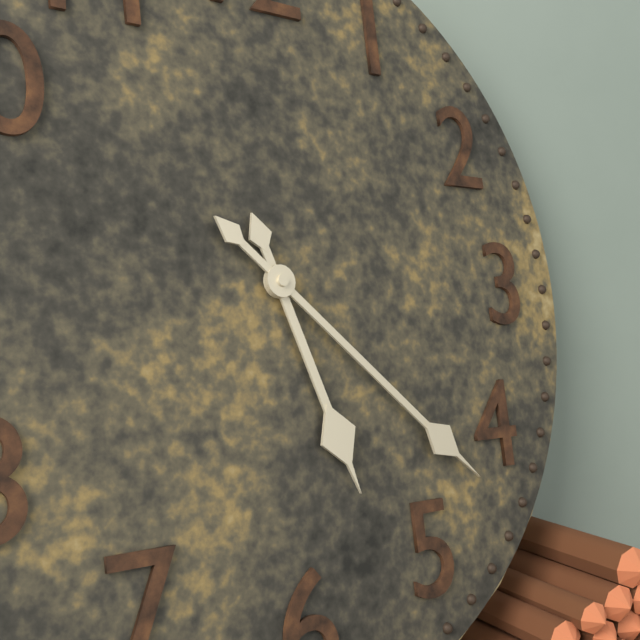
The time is 5:22
